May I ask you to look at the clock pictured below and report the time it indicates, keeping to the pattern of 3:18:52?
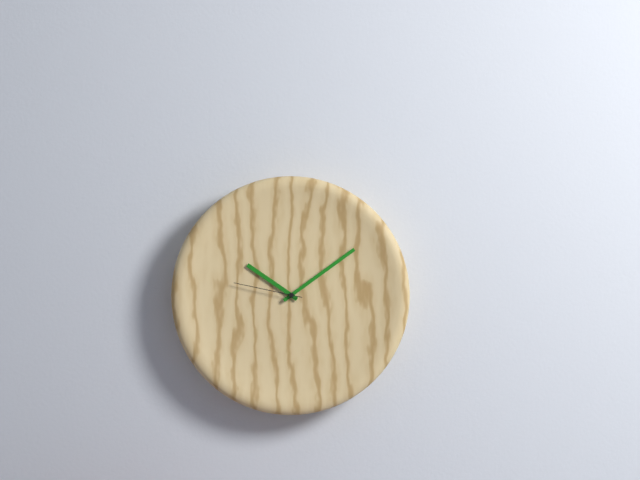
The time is 10:09:47
